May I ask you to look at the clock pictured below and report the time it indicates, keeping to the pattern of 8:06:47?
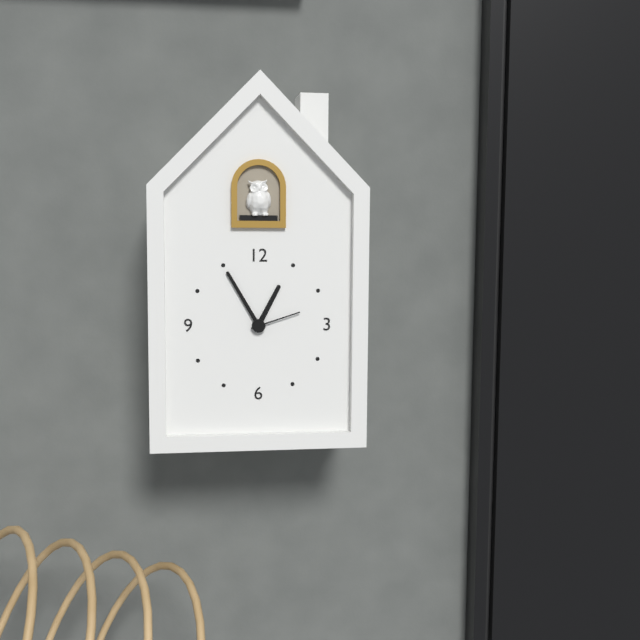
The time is 12:55:12
